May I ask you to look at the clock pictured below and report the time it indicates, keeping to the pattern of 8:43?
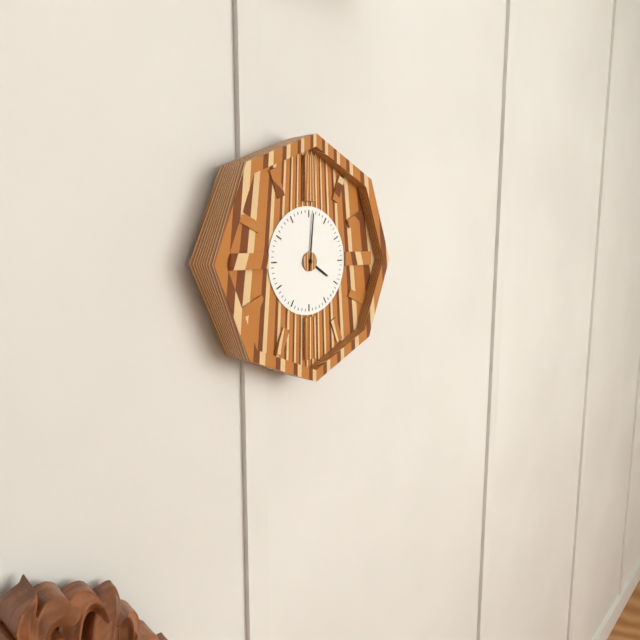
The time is 4:01
